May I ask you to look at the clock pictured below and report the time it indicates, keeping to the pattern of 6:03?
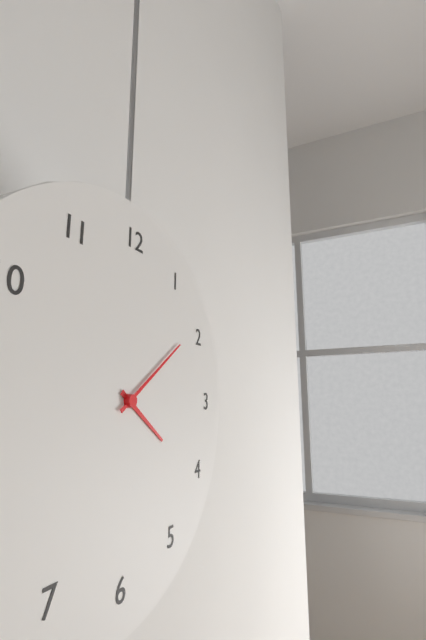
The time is 4:09
